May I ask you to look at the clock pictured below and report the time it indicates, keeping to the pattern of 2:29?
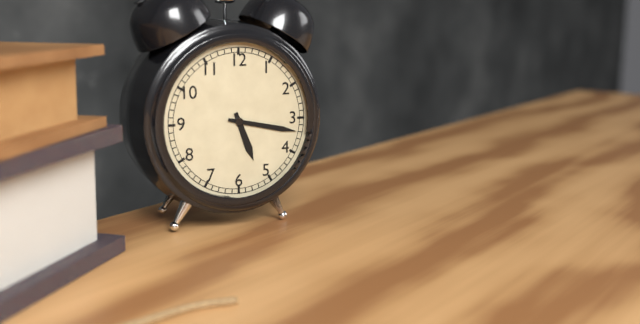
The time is 5:17
